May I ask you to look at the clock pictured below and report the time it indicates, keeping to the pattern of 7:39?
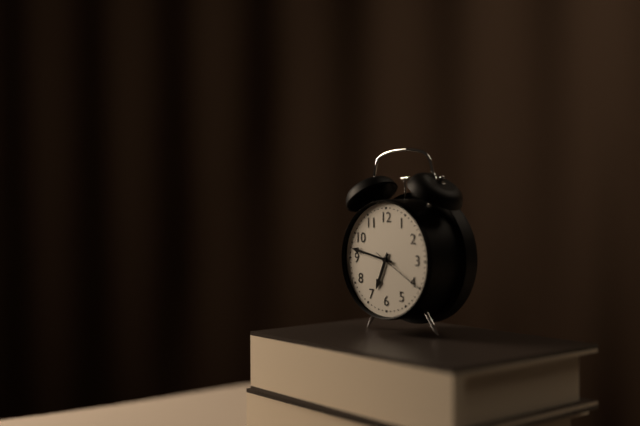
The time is 6:47
